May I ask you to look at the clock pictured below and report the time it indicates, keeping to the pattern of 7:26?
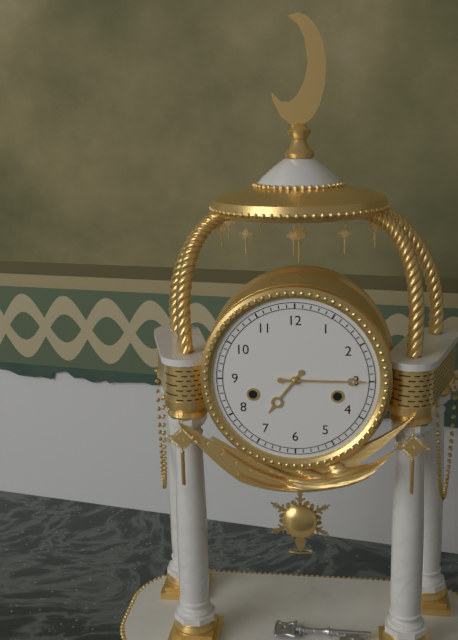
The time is 7:15
